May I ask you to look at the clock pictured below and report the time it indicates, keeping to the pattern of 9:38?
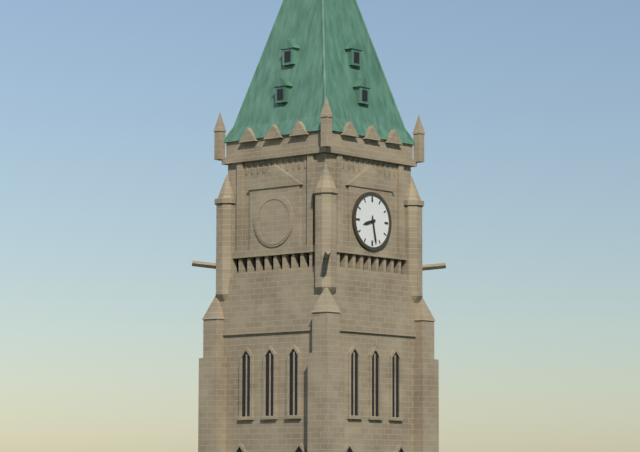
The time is 8:28
